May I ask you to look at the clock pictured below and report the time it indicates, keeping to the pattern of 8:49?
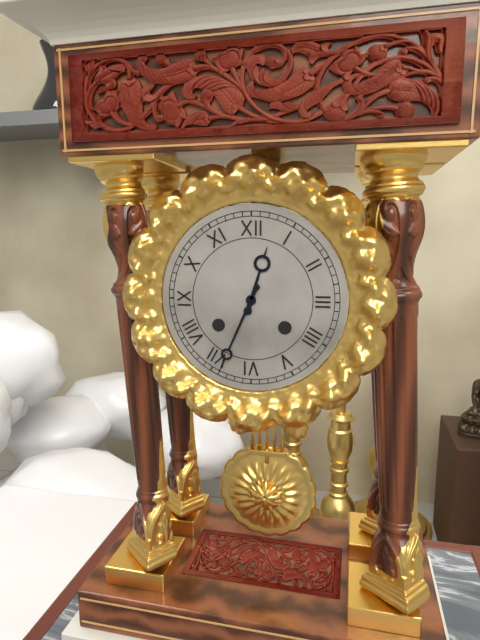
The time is 12:34
